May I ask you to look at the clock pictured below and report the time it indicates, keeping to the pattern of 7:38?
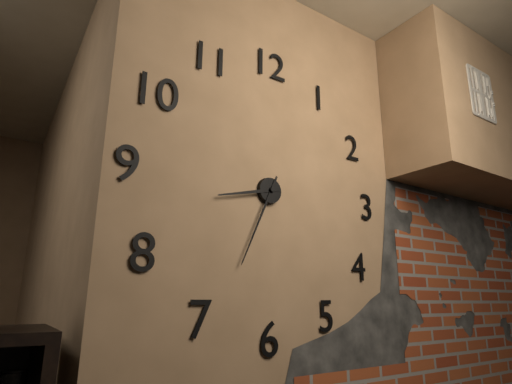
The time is 8:34
